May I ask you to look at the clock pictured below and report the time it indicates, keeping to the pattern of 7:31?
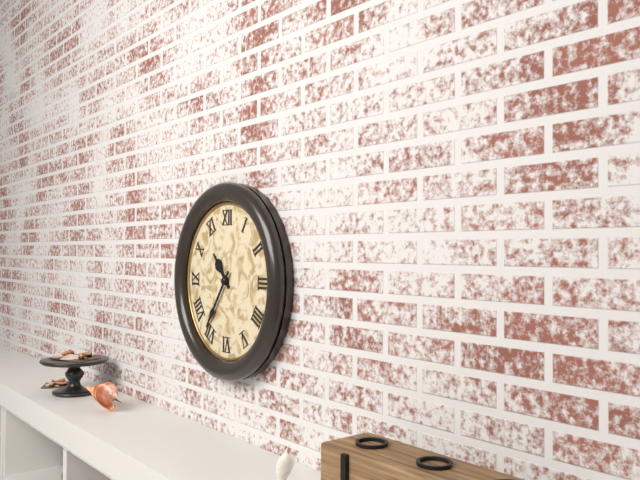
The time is 10:36
